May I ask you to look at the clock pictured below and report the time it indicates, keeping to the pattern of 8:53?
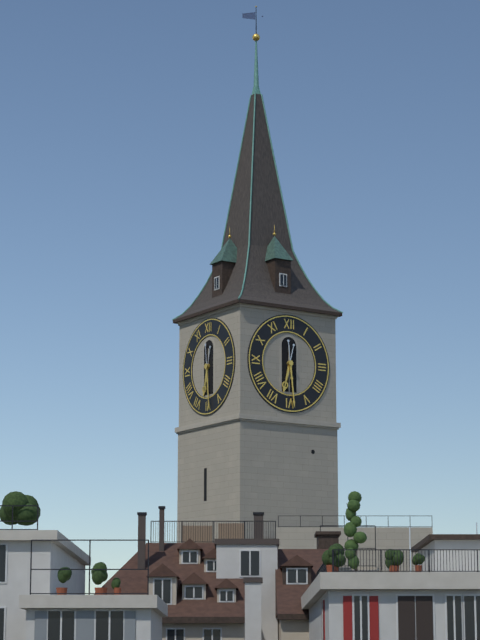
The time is 6:29
